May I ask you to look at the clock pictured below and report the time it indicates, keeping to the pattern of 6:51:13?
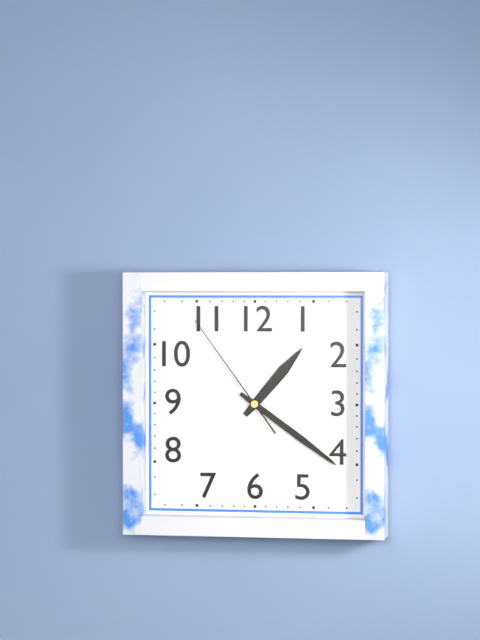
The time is 1:21:54
